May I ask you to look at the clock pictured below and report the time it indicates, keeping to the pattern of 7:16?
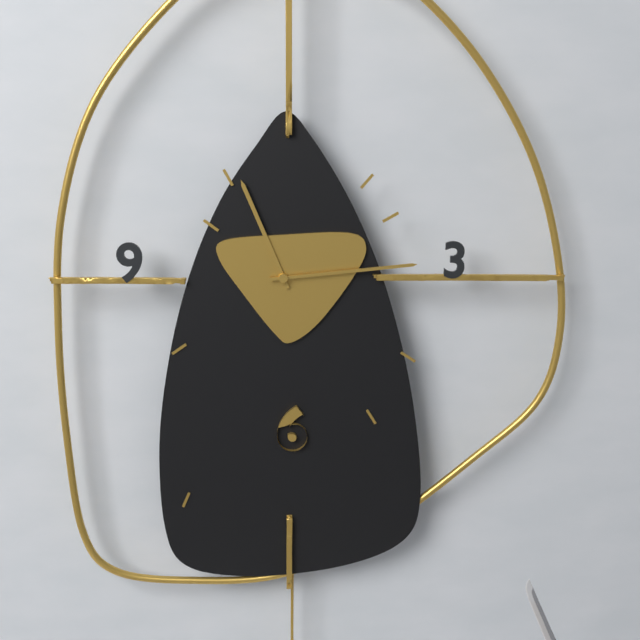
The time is 11:14
